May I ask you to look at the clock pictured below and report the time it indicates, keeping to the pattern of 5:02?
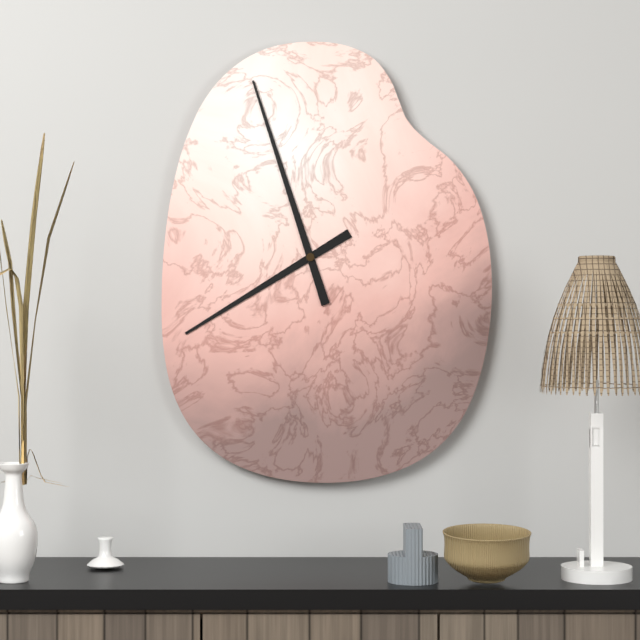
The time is 7:57
